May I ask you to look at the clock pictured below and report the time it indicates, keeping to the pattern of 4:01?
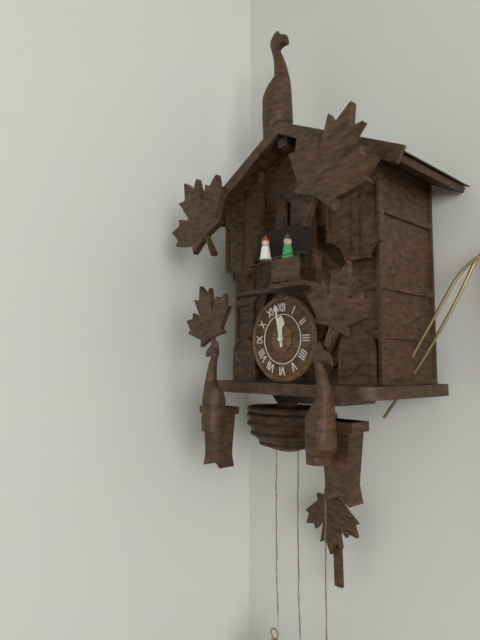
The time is 11:58
